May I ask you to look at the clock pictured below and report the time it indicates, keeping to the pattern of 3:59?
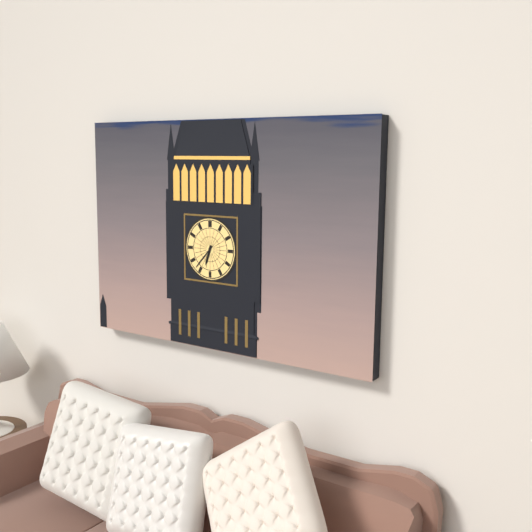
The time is 6:37
